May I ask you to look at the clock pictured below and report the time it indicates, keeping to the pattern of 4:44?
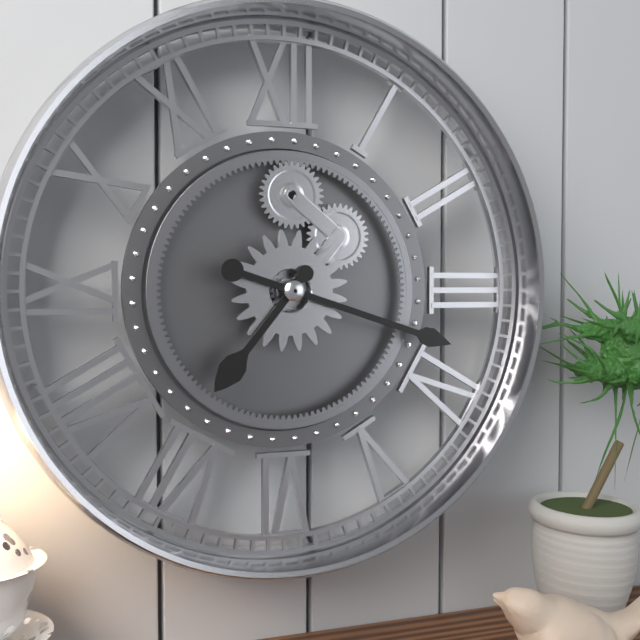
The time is 7:18
